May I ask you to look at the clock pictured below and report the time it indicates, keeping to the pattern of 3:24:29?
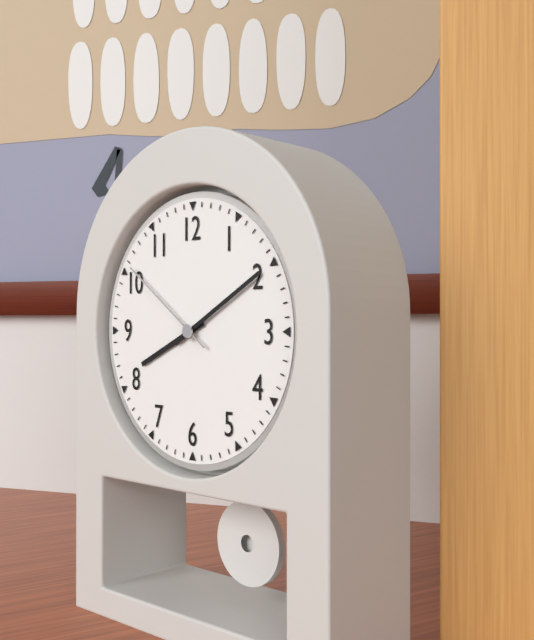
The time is 8:10:51
